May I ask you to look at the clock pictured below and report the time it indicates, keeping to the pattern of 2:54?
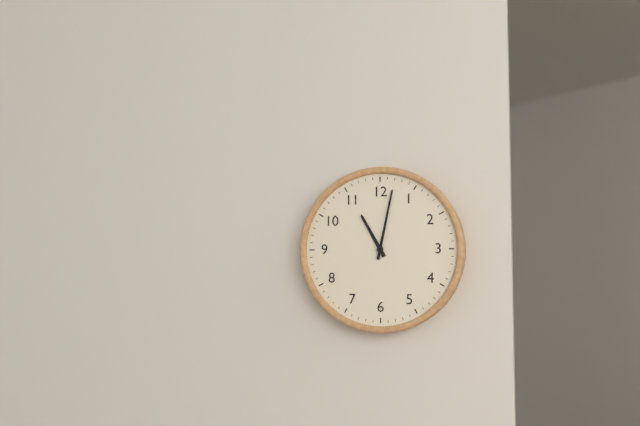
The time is 11:02
